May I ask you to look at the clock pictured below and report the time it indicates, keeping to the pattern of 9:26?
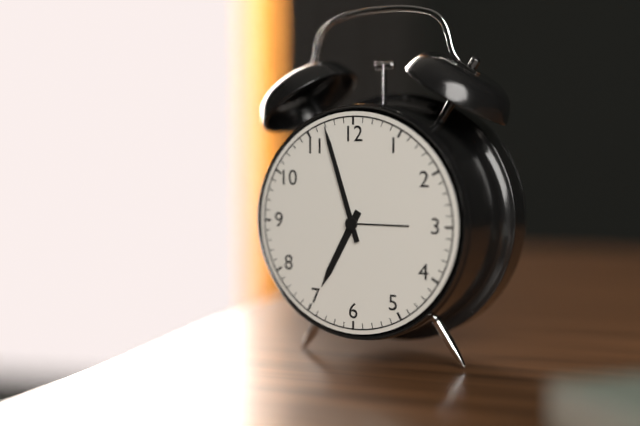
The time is 6:57
